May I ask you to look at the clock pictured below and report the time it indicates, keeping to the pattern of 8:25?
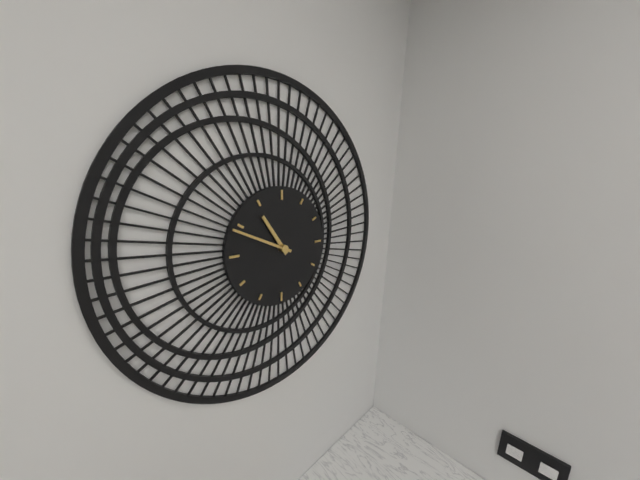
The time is 10:49
